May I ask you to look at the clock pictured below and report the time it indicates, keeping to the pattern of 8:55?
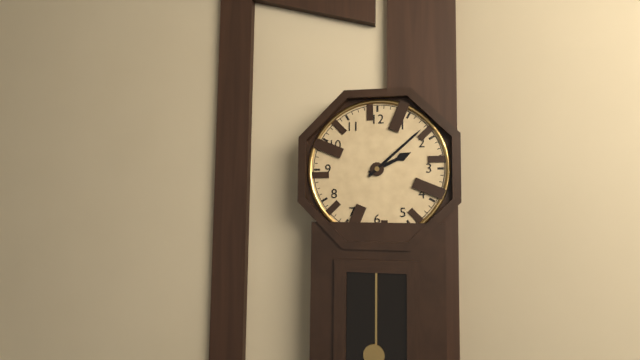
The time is 2:08
